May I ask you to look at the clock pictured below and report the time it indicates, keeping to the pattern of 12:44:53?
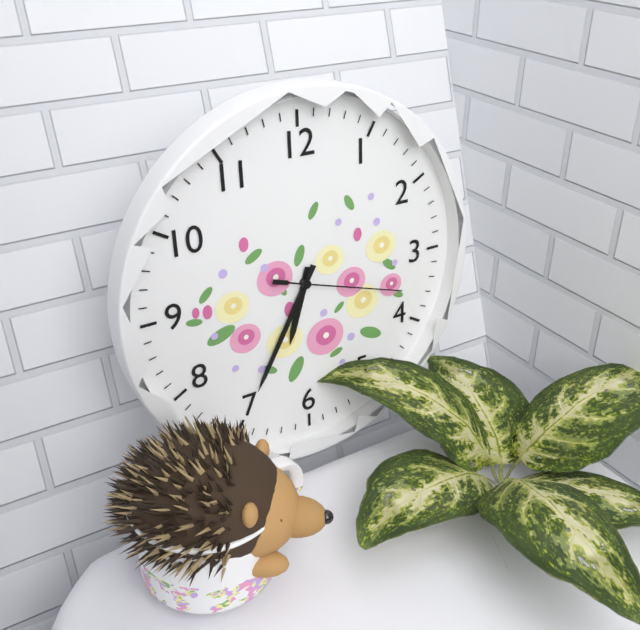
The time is 6:35:18
